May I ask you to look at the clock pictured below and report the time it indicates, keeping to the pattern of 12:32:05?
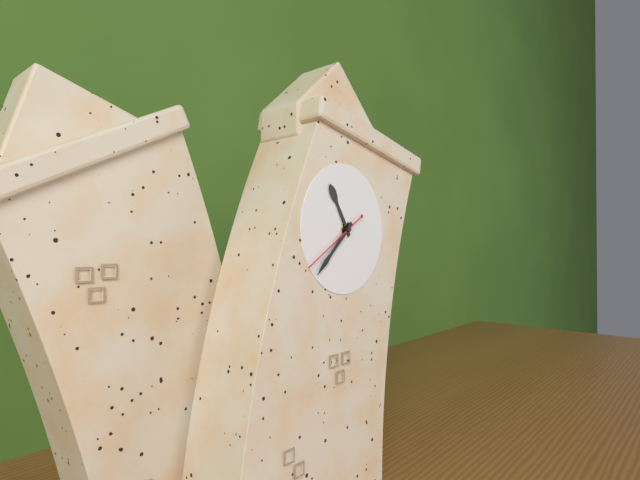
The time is 10:36:38
